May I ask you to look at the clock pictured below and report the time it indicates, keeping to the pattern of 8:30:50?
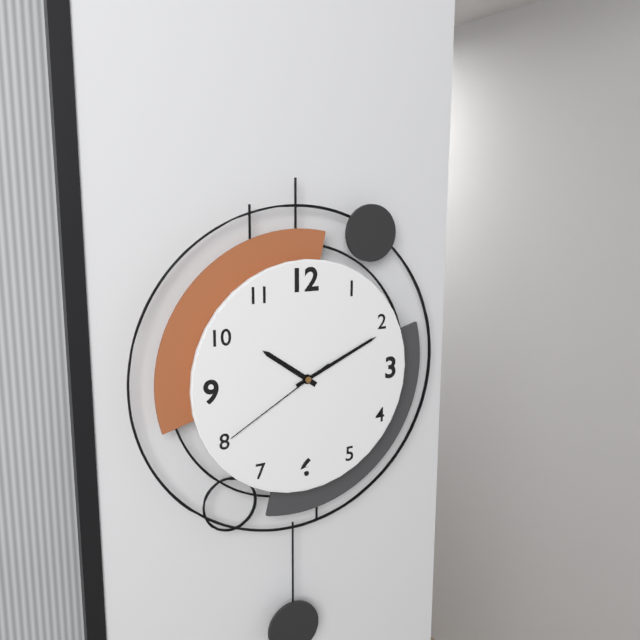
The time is 10:11:40
